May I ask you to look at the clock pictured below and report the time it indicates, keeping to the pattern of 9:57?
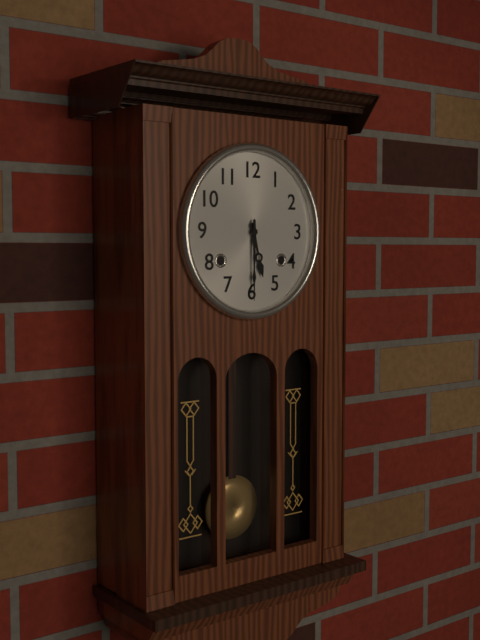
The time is 5:30
